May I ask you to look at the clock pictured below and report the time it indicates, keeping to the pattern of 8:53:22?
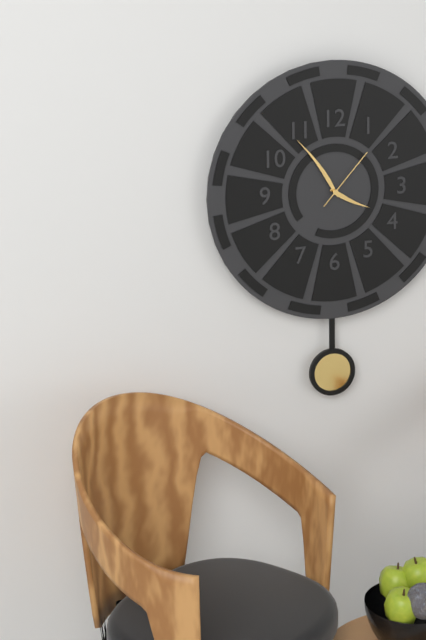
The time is 3:54:07
